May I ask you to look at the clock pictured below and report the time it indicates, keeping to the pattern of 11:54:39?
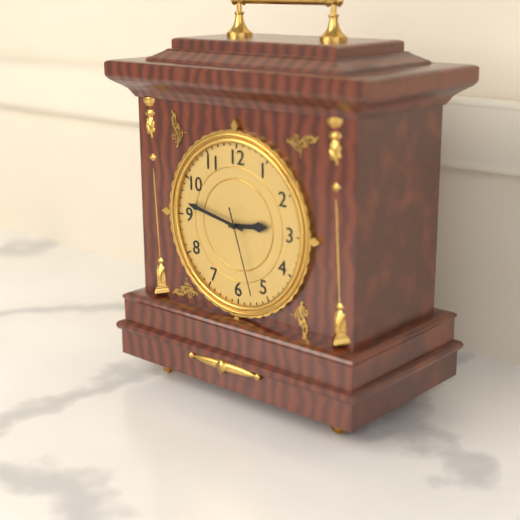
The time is 2:47:27
